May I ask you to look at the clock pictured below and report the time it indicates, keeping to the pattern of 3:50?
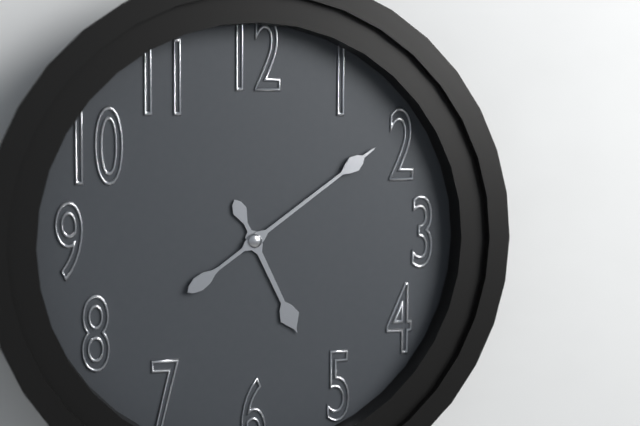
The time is 5:09
